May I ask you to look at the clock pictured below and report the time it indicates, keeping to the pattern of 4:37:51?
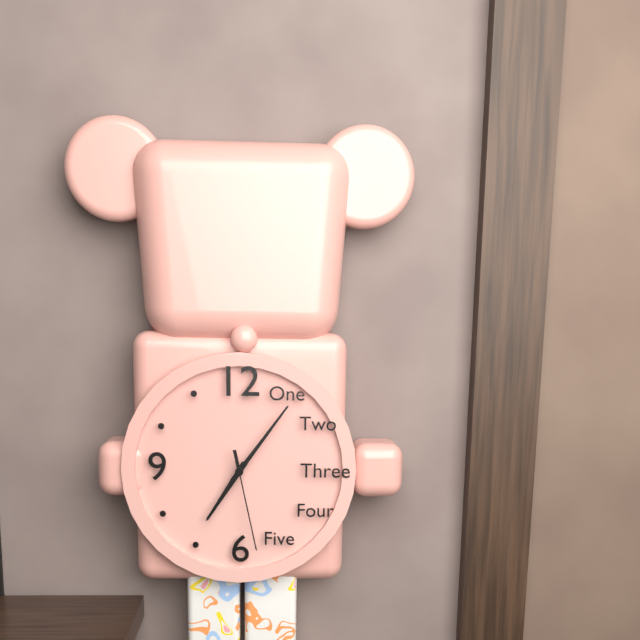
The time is 7:06:28
